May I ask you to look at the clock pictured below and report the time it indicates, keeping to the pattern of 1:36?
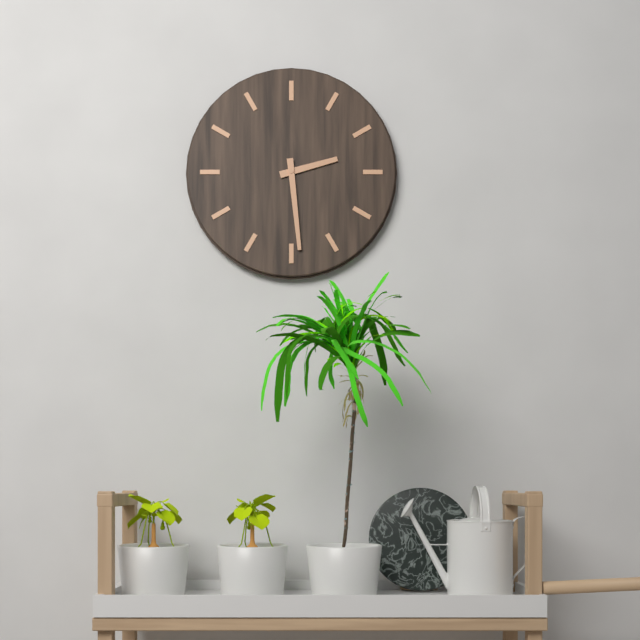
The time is 2:29
